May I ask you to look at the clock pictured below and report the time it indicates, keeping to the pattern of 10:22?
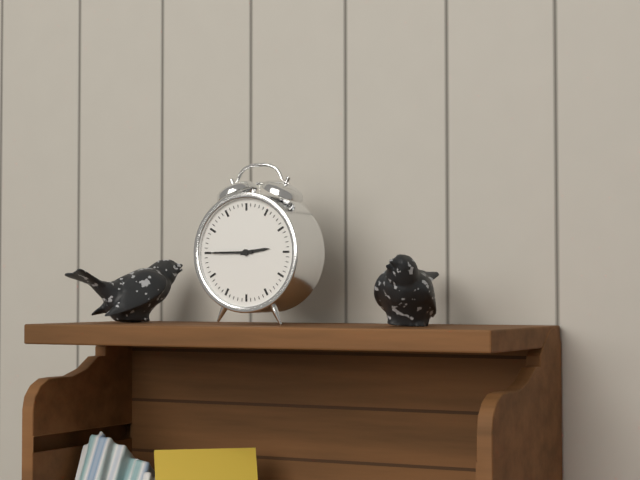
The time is 2:45
